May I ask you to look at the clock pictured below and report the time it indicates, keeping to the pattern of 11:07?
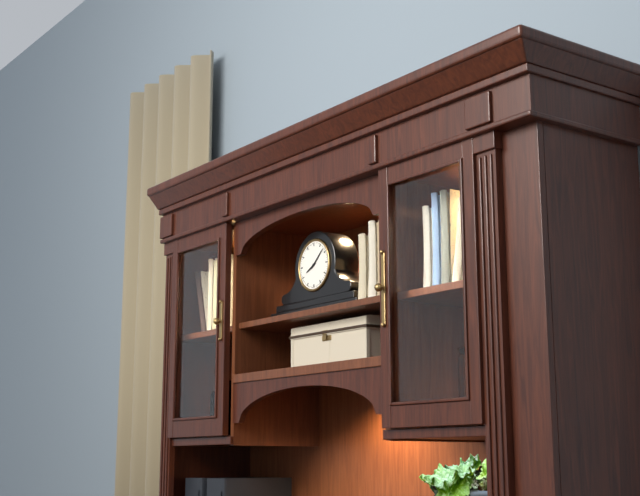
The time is 8:08
